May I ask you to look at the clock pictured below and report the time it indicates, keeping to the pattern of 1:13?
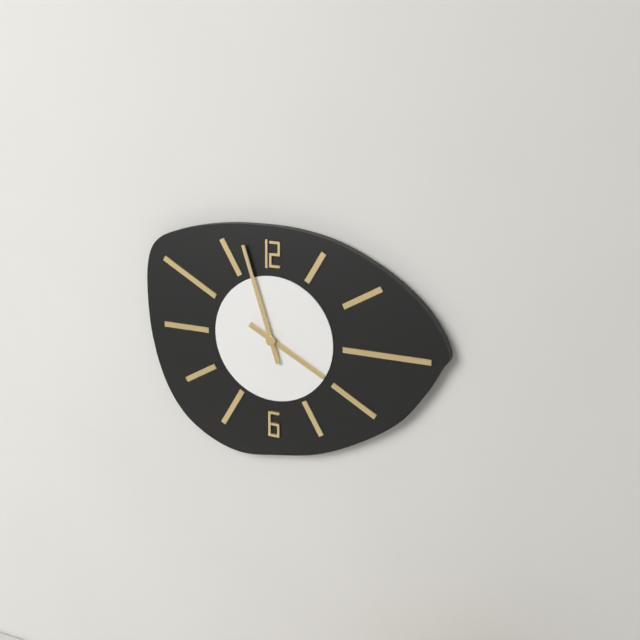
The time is 3:57
